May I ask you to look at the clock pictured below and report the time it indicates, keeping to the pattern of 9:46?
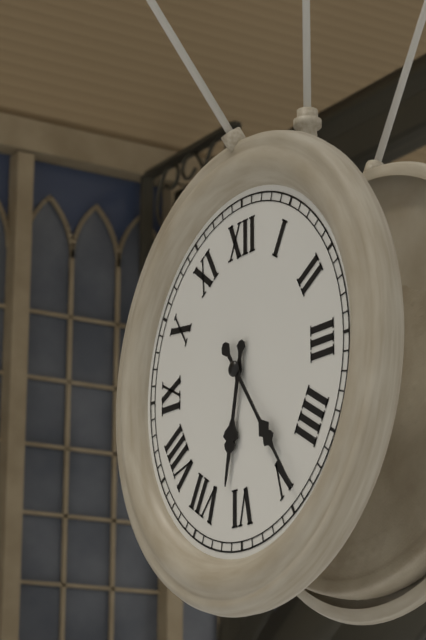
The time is 6:24
